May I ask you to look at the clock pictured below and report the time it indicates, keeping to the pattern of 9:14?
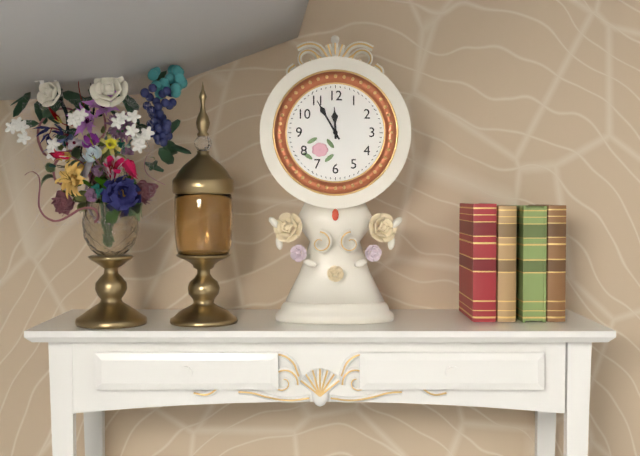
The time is 11:55
